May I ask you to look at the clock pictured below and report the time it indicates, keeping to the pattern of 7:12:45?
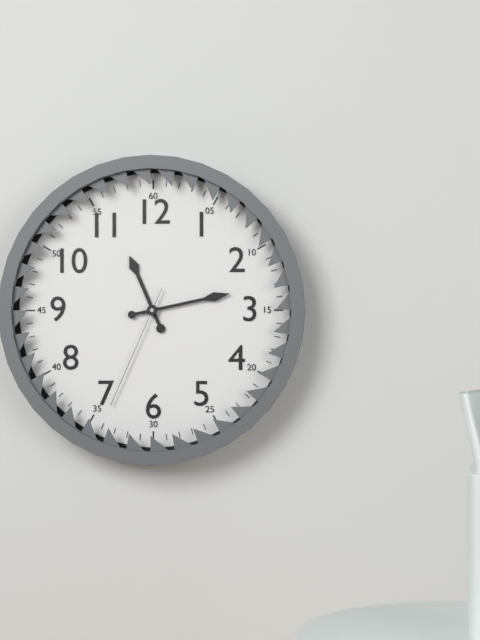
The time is 11:13:34
